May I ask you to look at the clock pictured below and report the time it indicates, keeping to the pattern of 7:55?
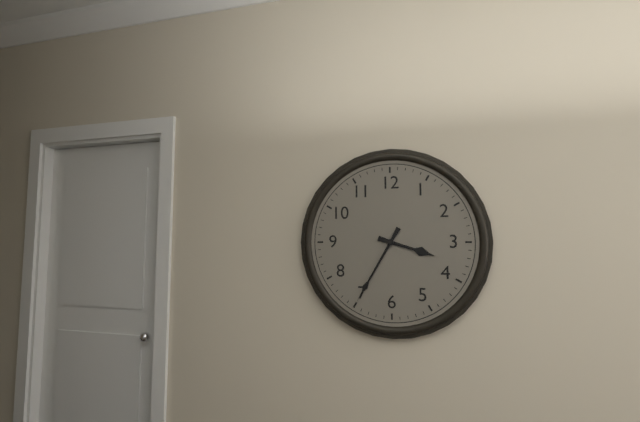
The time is 3:35
